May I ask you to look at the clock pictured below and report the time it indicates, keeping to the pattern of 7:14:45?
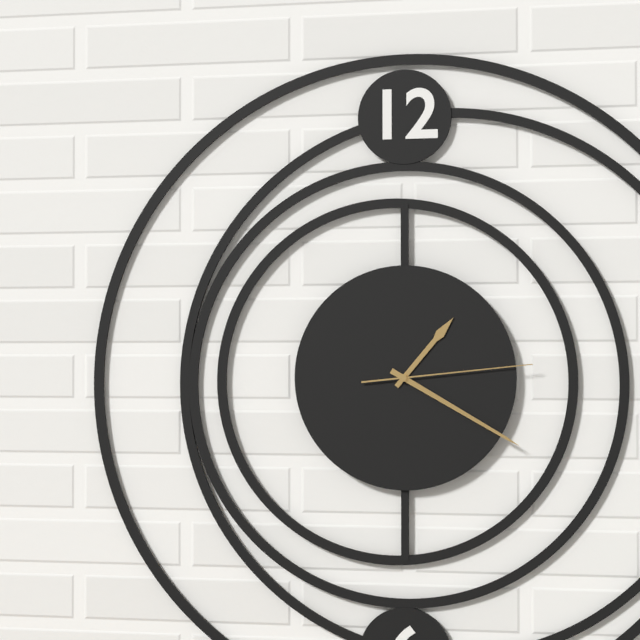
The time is 1:20:14
